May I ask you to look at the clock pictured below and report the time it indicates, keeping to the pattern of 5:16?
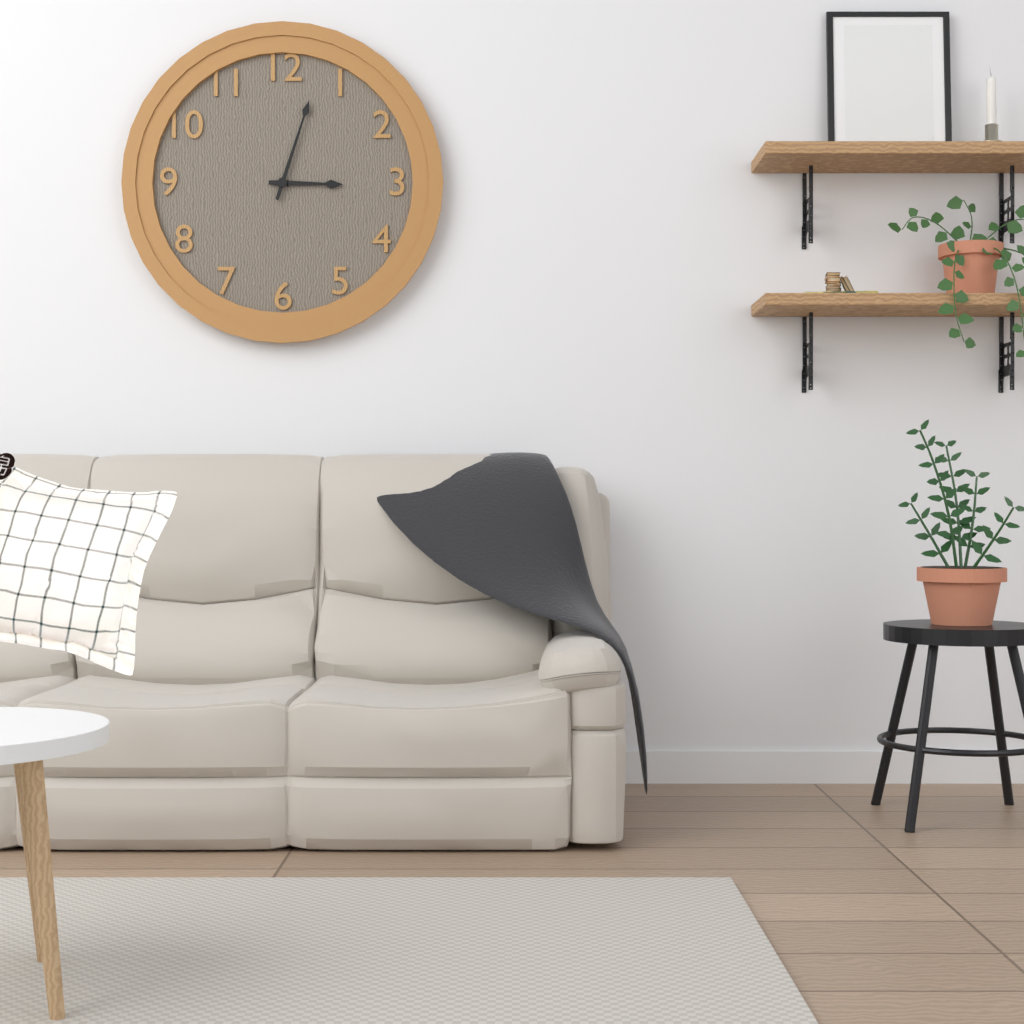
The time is 3:03
